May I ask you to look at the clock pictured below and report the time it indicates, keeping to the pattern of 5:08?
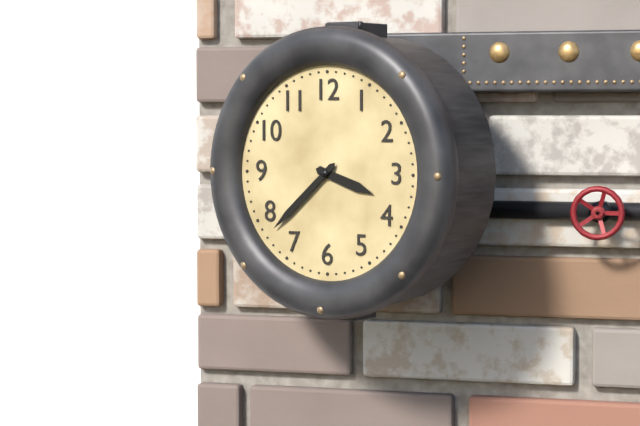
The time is 3:38
